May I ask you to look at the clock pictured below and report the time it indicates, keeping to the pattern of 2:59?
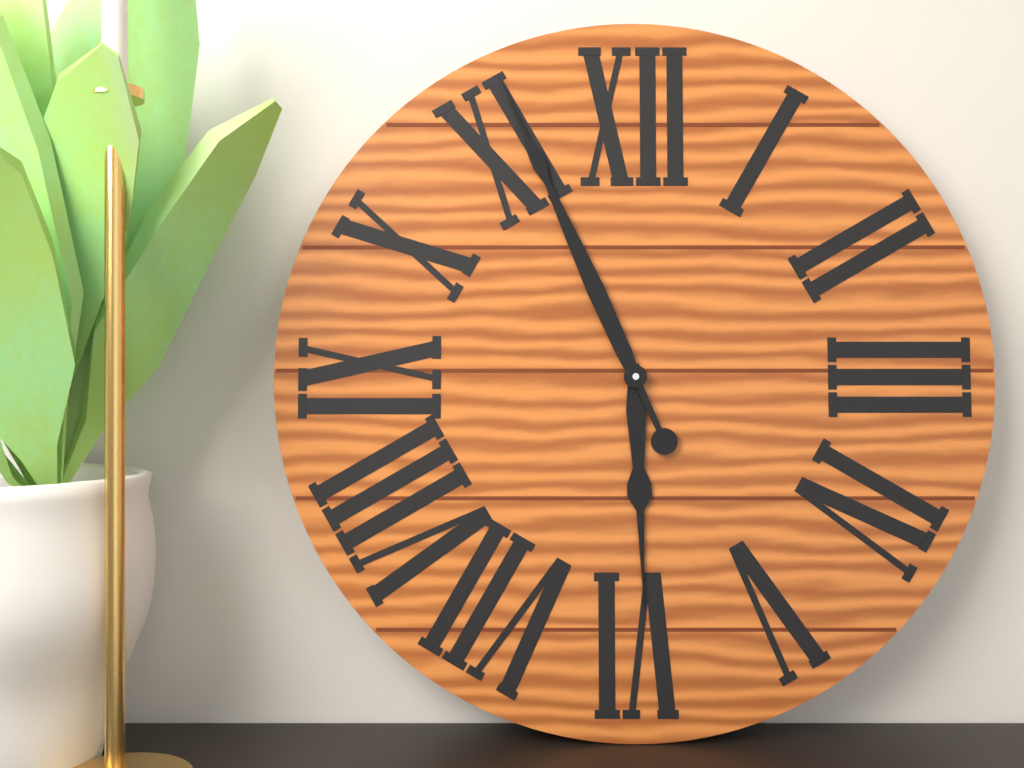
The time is 5:56
